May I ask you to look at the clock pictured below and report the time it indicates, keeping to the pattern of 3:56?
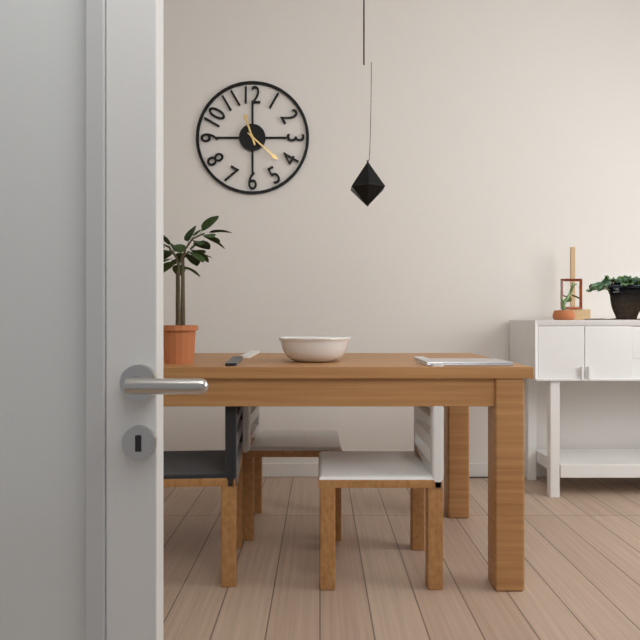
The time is 11:22
